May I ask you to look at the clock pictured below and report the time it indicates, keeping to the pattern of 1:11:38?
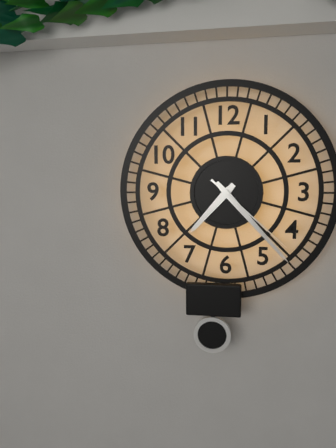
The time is 7:23:22
